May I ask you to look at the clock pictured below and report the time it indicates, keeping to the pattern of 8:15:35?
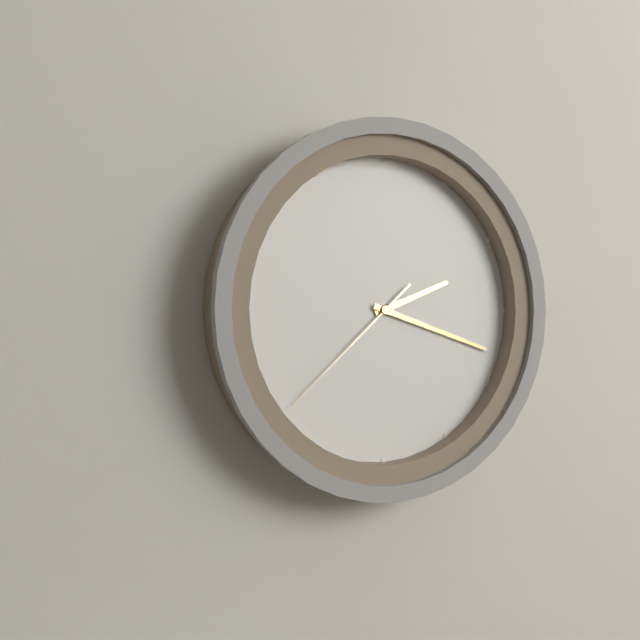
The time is 2:18:38
